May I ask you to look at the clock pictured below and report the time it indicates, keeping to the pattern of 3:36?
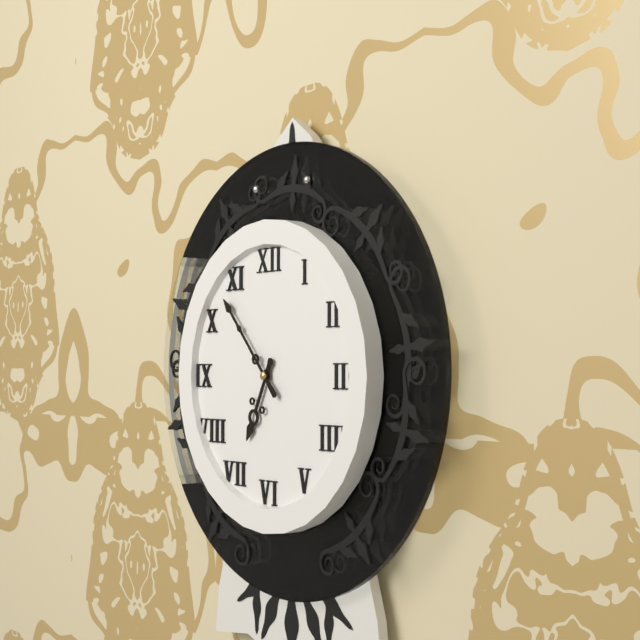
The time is 6:53
